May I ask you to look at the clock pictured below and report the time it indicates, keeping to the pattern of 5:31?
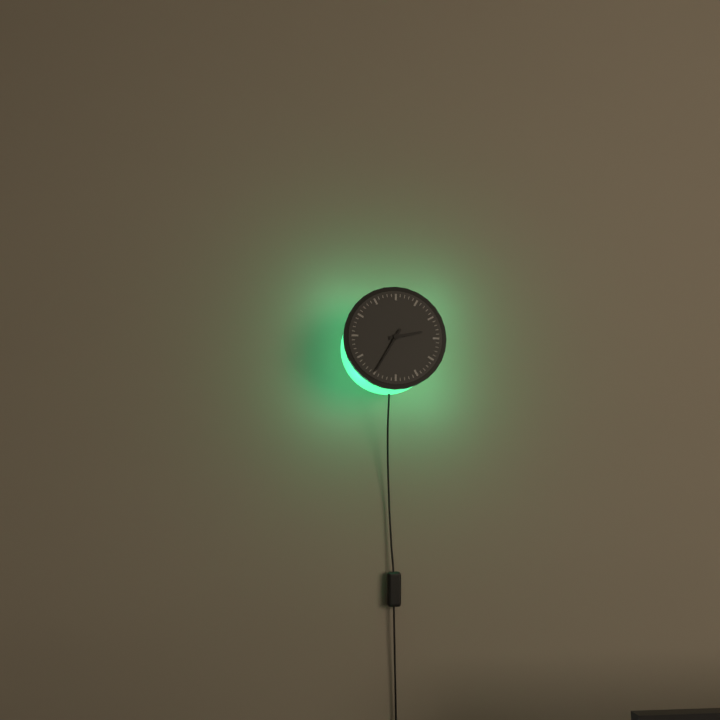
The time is 2:35
